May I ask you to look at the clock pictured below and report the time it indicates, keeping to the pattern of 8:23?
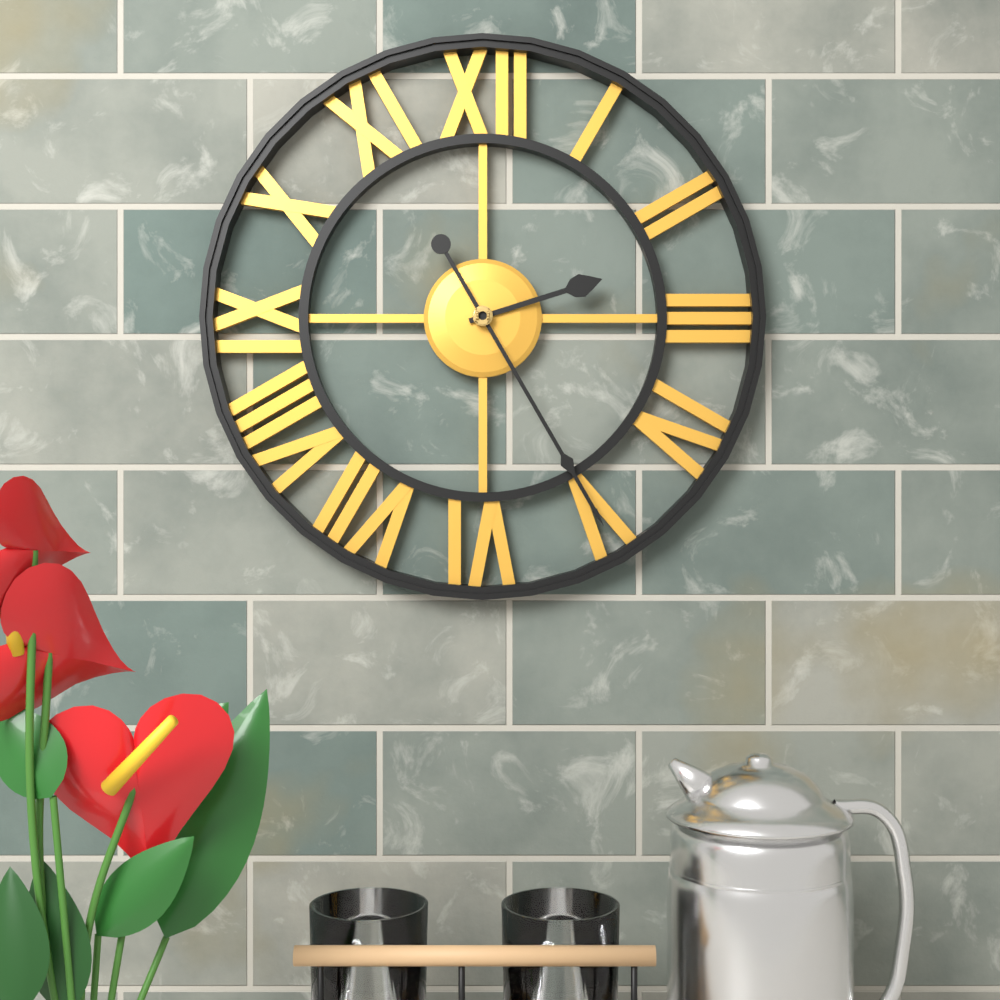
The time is 2:25
